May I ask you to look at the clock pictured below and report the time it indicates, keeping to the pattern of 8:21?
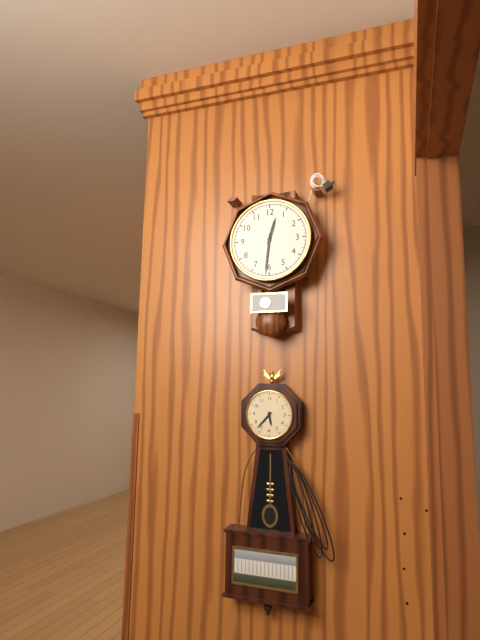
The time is 12:31
